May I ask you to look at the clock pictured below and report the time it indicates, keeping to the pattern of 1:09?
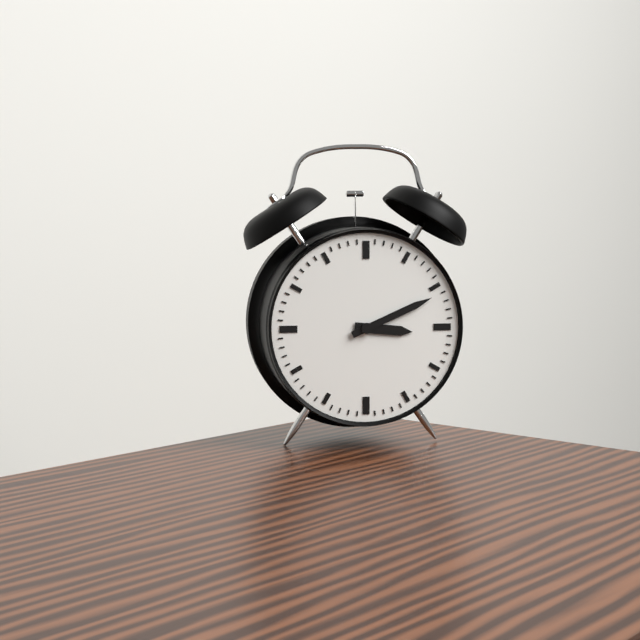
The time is 3:11
